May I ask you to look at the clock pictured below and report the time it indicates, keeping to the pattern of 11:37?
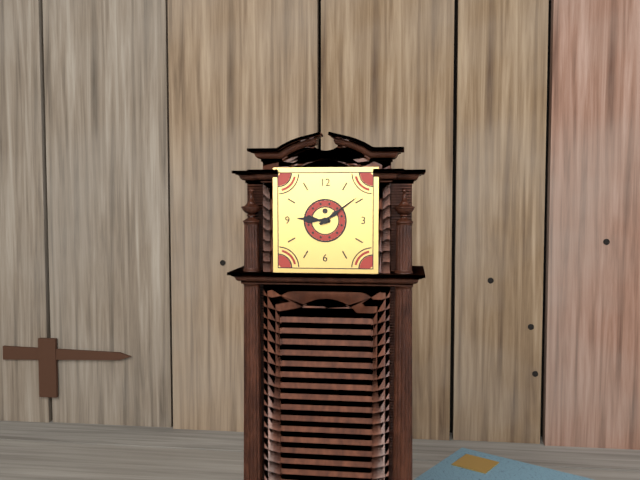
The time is 9:09
